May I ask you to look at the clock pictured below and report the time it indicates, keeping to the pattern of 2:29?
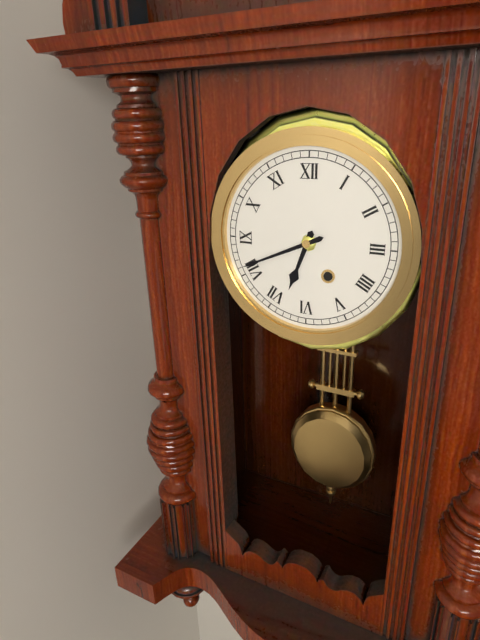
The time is 6:41
